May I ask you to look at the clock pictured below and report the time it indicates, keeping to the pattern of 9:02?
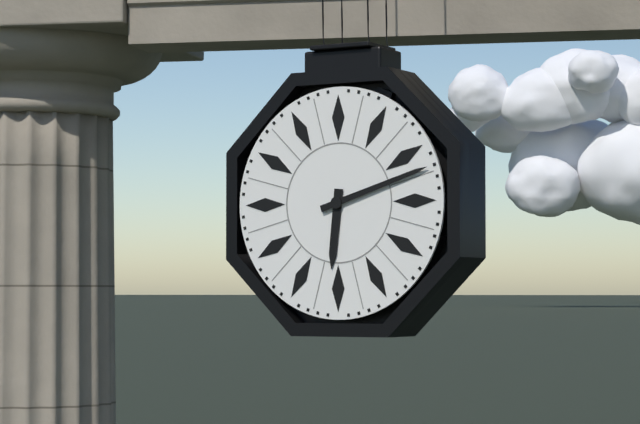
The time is 6:12
